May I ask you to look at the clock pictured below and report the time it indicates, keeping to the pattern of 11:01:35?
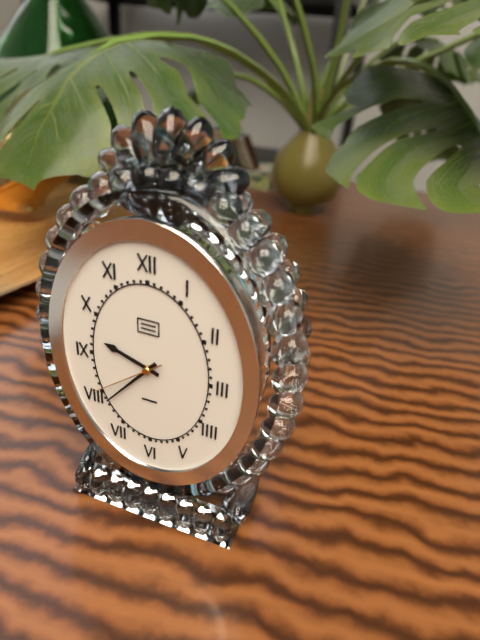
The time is 9:37:39
